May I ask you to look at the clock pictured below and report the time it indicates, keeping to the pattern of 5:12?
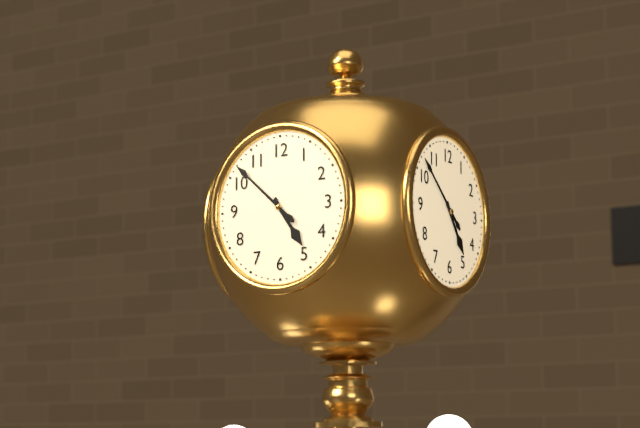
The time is 4:52
